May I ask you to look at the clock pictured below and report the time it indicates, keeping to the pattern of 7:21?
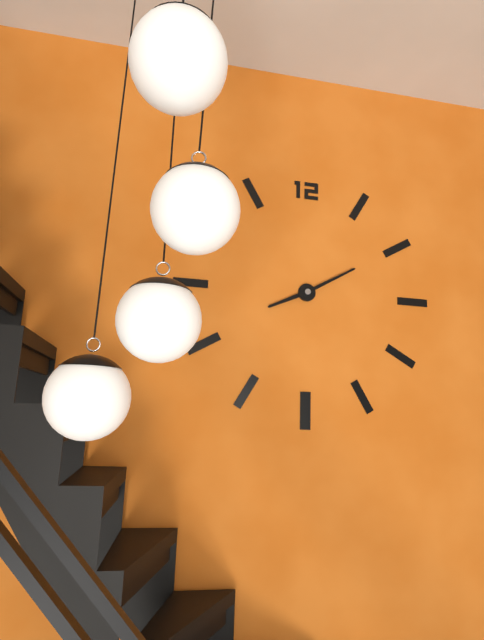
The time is 8:10
